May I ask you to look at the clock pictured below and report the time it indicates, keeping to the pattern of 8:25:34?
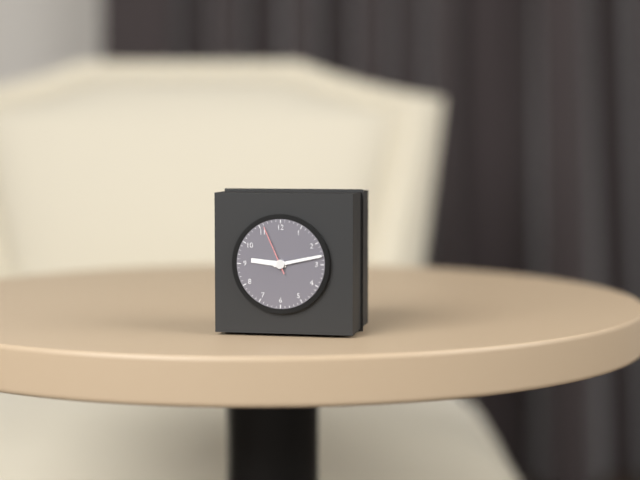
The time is 9:13:56
